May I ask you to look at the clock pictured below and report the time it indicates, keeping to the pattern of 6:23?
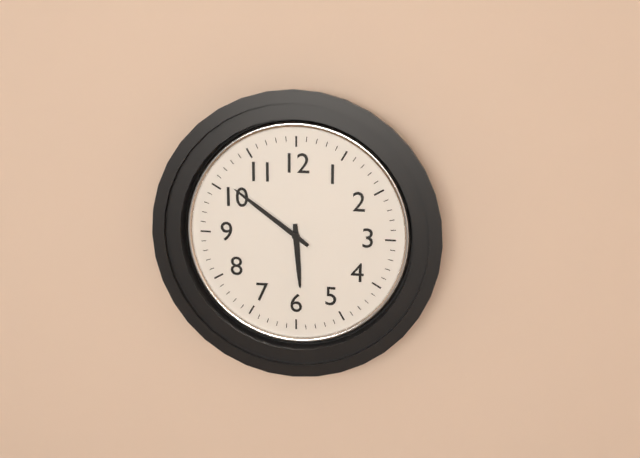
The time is 5:51
